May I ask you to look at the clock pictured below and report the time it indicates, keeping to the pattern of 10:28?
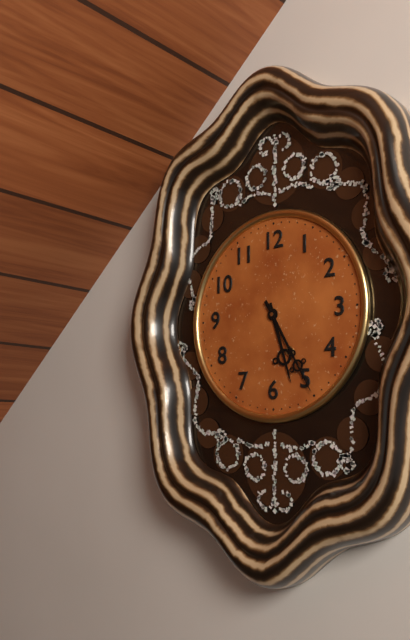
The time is 5:25
